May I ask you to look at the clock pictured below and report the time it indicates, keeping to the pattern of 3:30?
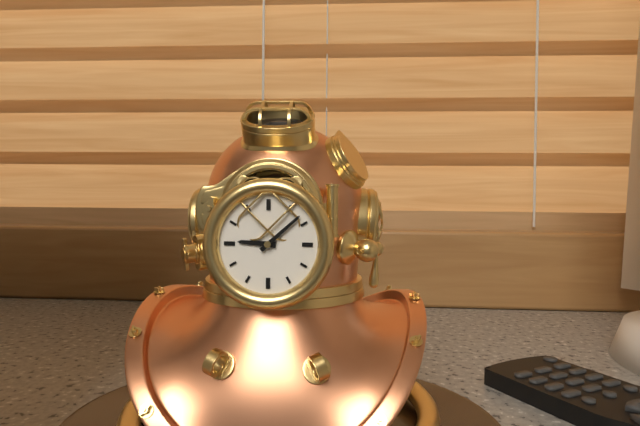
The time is 9:08
